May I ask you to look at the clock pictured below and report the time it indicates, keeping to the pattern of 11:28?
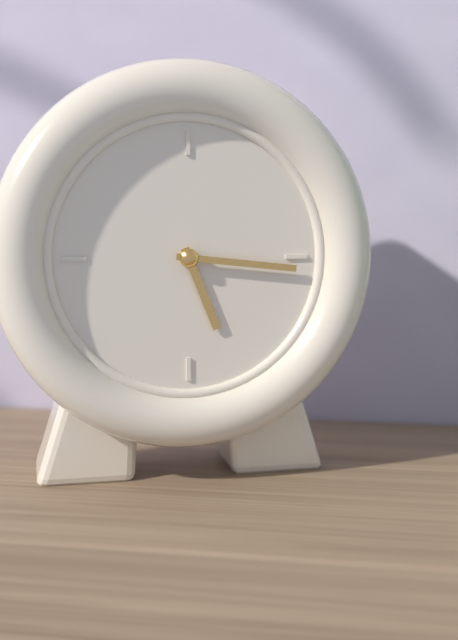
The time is 5:16
